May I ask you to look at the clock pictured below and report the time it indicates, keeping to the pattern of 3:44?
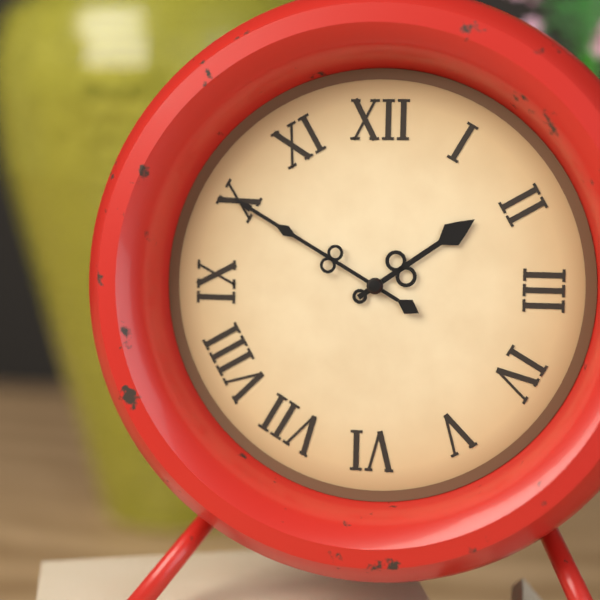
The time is 1:50
